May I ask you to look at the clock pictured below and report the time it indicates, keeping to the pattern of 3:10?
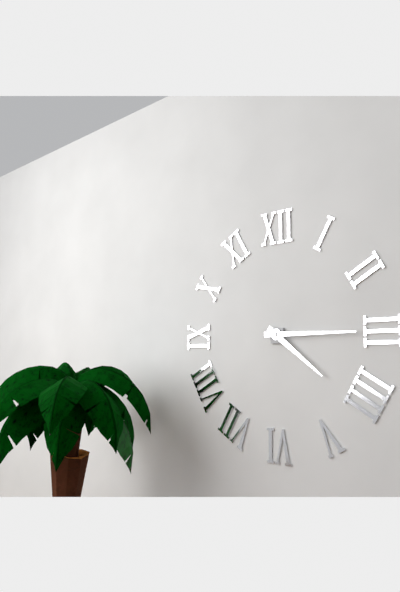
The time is 4:15
